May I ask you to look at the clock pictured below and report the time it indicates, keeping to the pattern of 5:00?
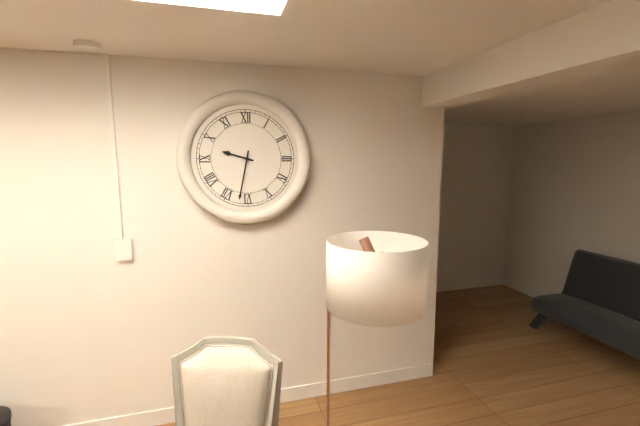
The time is 9:32
